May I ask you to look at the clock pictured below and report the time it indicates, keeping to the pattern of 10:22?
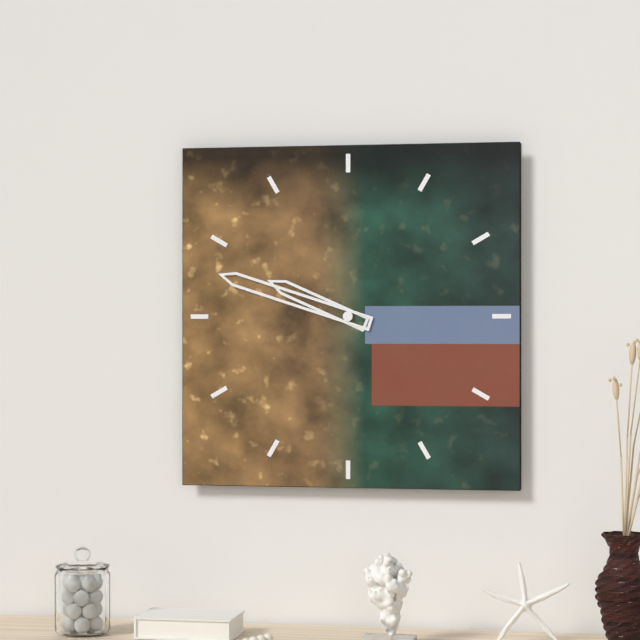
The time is 9:48
